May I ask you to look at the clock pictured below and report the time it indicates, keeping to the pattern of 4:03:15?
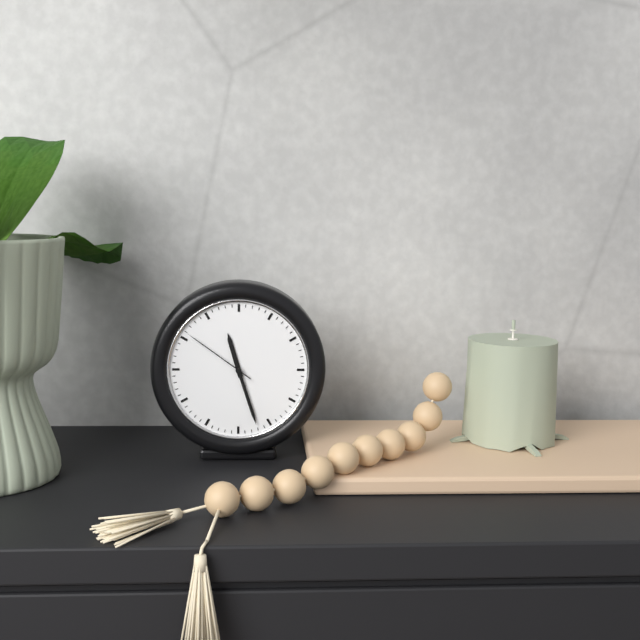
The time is 11:27:51
